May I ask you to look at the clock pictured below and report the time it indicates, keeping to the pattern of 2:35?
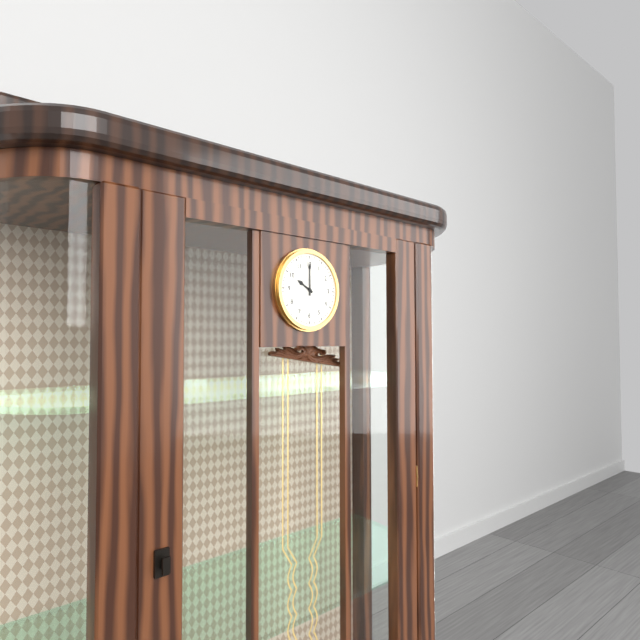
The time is 10:00
